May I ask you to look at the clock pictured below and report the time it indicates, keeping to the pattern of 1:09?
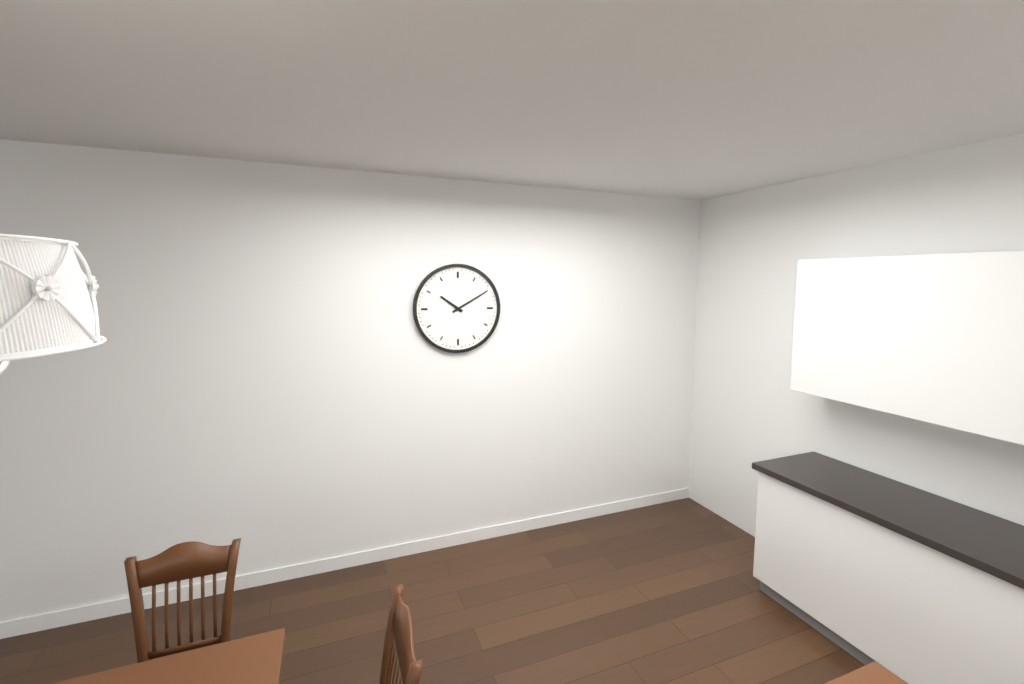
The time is 10:10
